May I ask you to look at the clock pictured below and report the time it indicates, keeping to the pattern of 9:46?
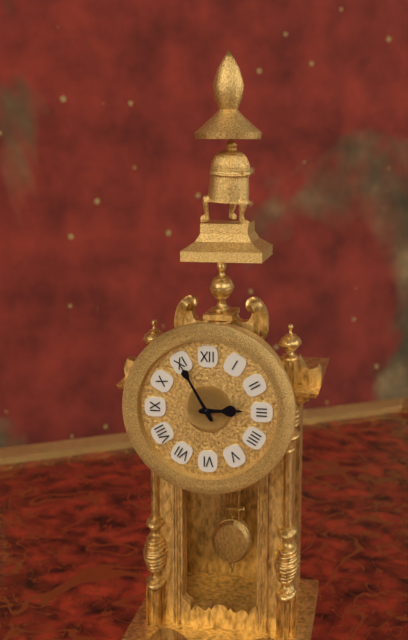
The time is 2:55
